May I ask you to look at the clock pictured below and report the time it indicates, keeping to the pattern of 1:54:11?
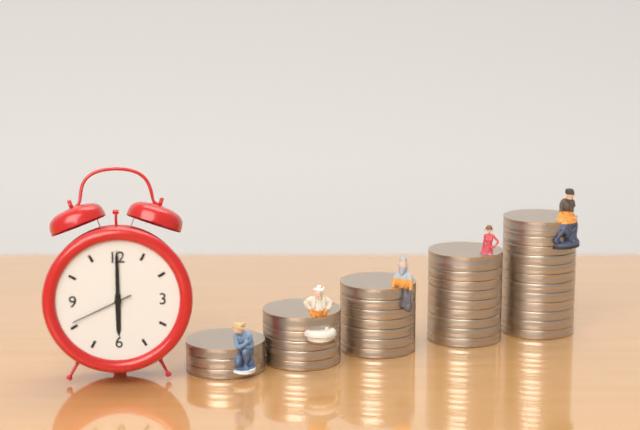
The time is 6:00:41
